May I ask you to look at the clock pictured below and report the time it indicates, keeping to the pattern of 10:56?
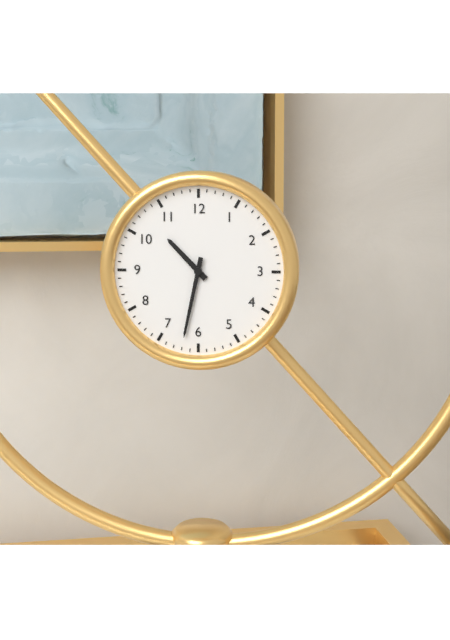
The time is 10:32
